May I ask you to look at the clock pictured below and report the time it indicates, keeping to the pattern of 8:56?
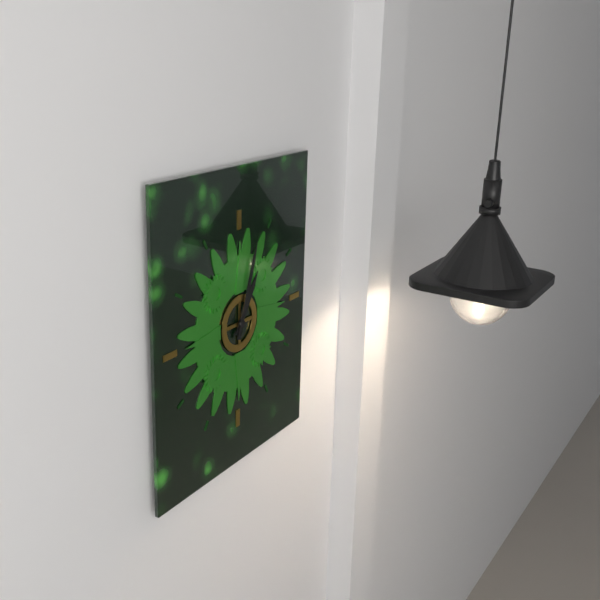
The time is 1:03
